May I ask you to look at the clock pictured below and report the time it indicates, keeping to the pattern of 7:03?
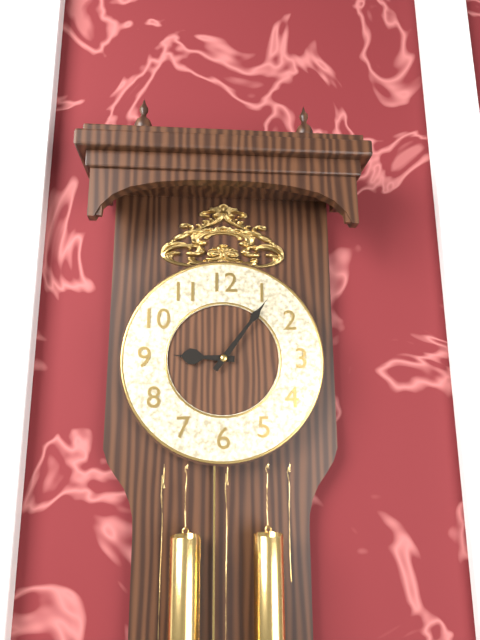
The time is 9:06
